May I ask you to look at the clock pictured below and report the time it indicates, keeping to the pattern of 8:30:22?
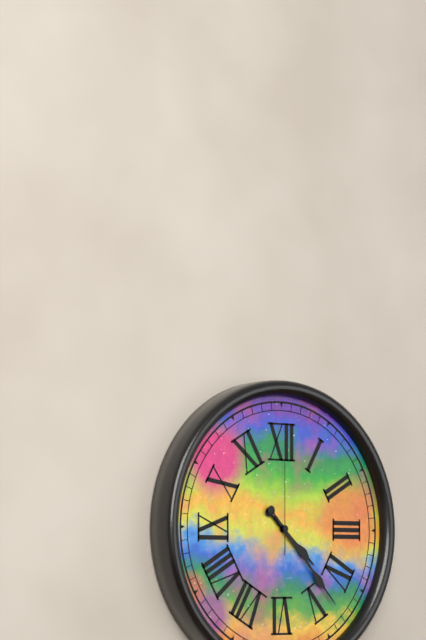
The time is 4:23:00
